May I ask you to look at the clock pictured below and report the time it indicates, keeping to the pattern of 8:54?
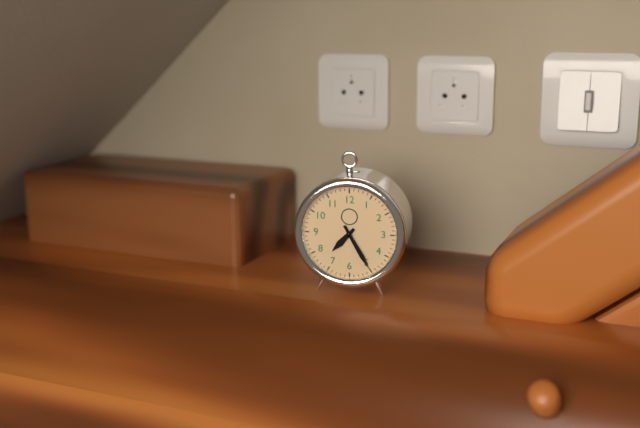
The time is 7:25
